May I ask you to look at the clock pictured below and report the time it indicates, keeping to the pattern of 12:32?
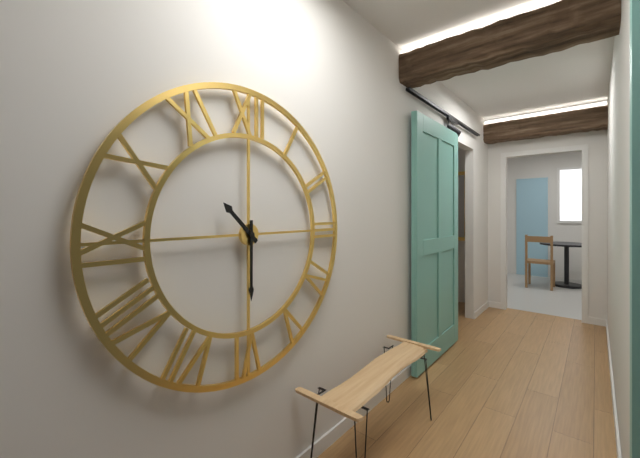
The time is 10:30
